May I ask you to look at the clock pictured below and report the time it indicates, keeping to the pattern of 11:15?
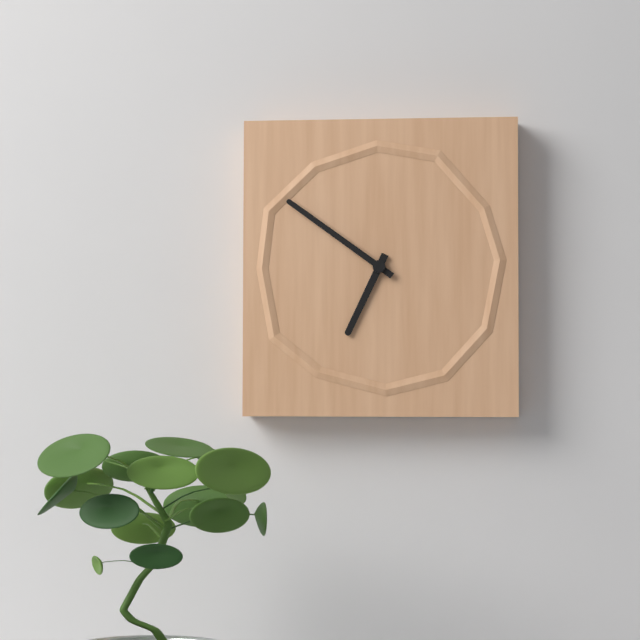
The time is 6:51
